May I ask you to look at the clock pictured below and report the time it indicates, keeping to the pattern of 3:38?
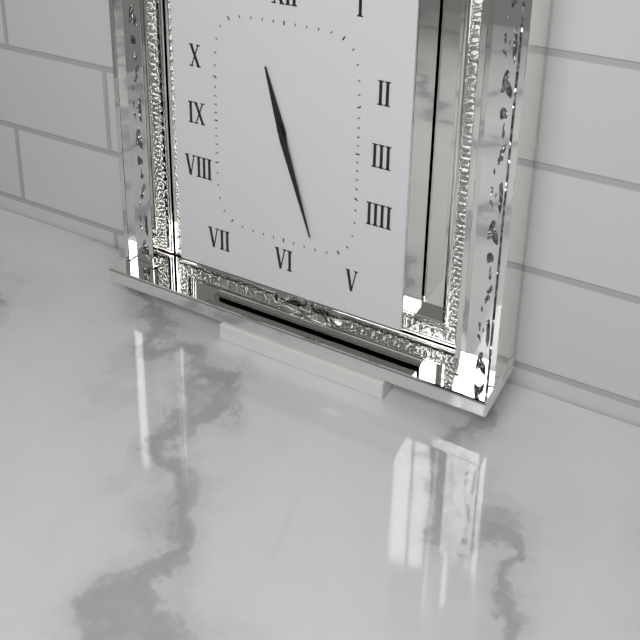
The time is 11:27
